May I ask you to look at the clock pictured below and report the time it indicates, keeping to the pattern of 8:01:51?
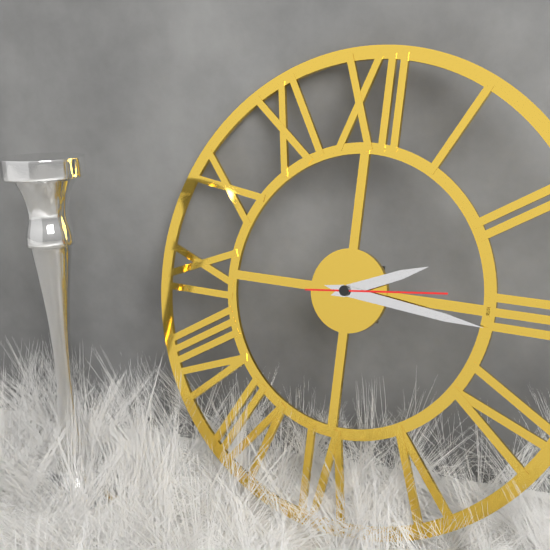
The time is 2:16:14
